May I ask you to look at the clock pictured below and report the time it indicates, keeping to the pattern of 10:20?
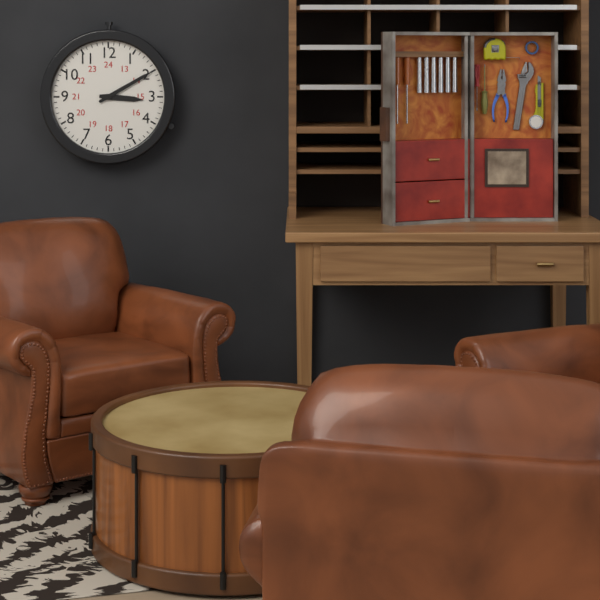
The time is 3:10
